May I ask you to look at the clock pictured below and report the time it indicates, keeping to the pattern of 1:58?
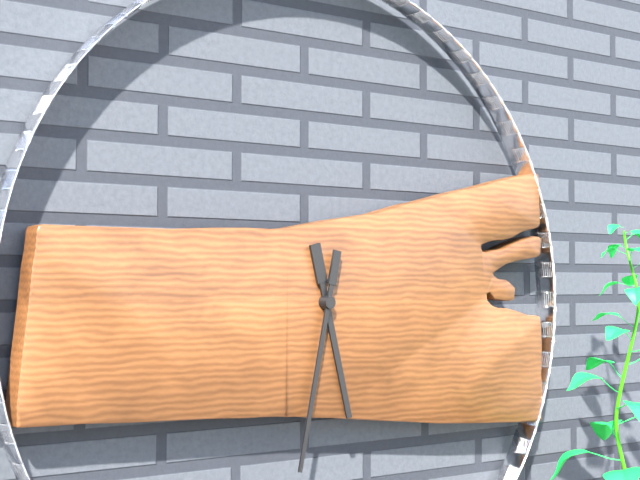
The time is 5:32
